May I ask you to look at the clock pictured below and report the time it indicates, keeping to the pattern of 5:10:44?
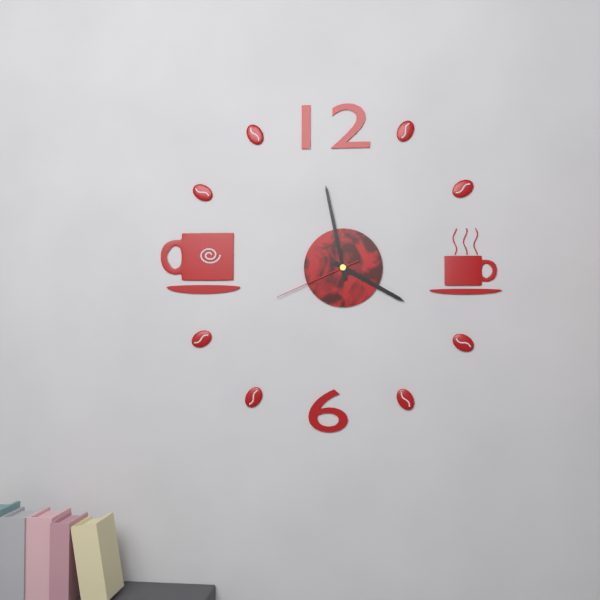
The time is 3:58:41
